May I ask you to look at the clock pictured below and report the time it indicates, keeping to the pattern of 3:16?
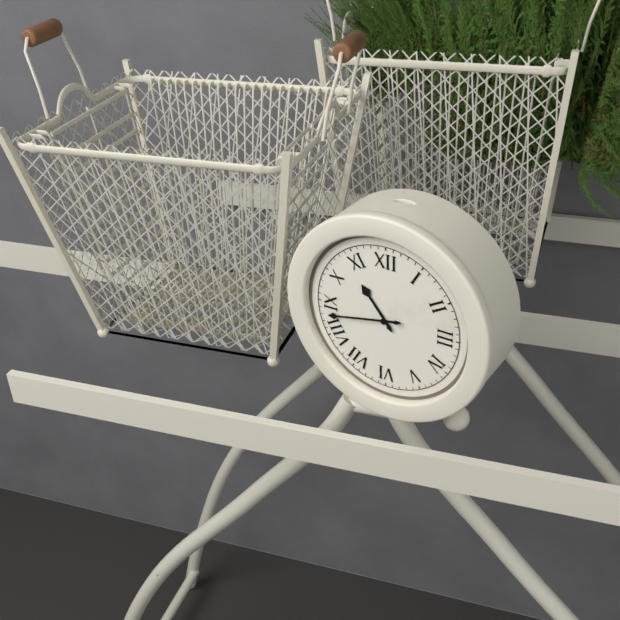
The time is 10:43
